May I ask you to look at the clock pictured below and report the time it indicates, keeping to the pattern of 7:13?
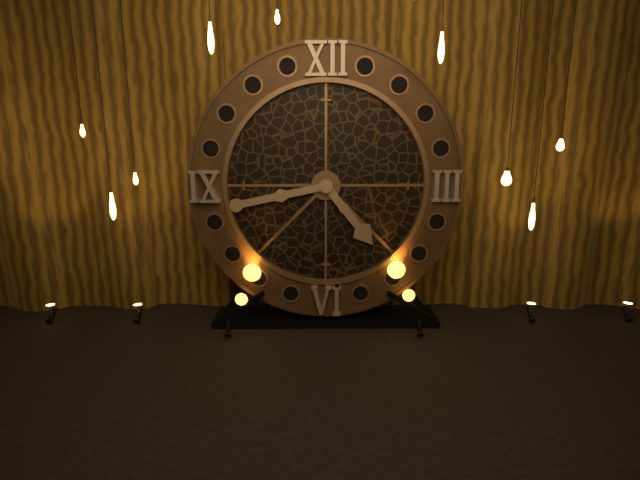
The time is 4:43
